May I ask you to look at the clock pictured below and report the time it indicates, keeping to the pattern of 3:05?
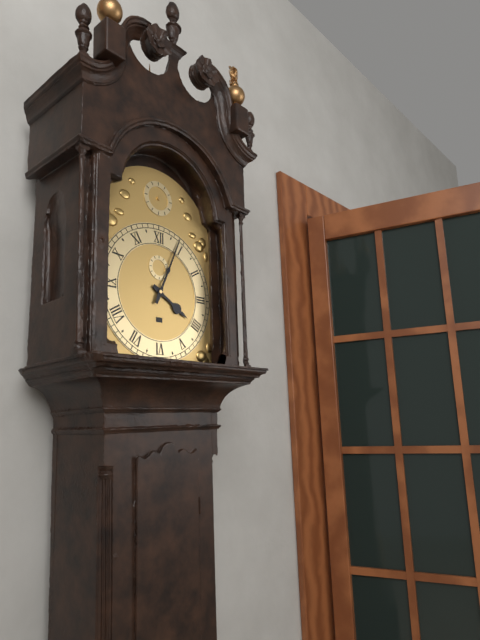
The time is 4:04
